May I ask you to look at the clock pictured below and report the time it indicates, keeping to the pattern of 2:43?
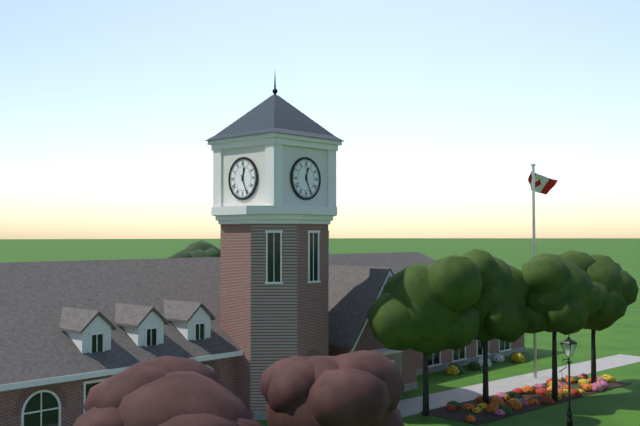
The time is 12:26
